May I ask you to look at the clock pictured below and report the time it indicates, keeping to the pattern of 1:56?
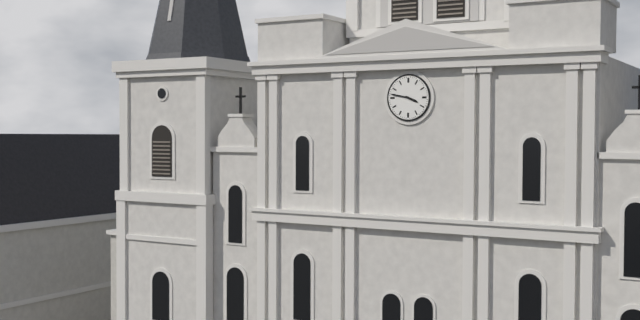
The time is 3:47
